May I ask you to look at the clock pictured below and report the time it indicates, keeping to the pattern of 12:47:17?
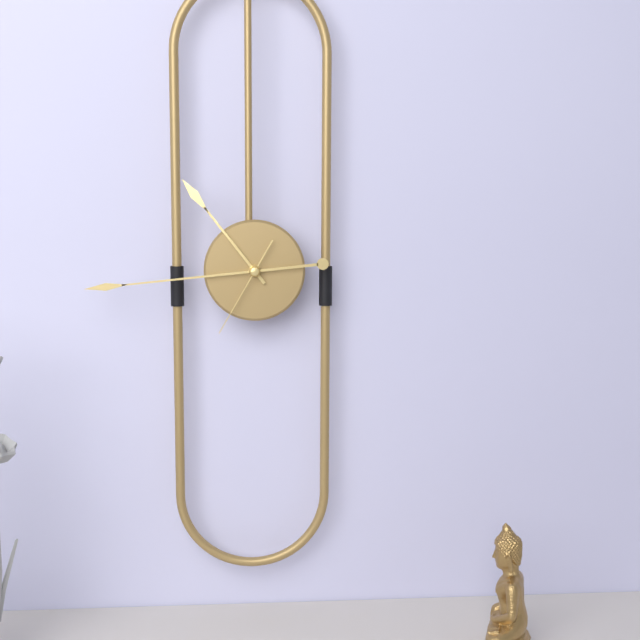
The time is 10:44:35
